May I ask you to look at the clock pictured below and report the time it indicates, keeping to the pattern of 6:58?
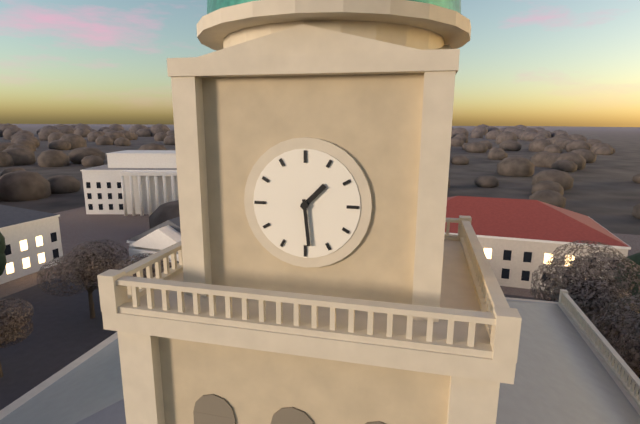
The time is 1:29
